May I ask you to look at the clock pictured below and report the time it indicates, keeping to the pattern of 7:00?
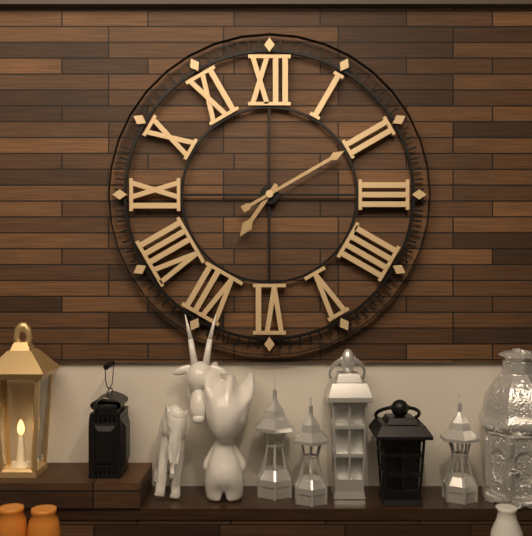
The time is 7:10
